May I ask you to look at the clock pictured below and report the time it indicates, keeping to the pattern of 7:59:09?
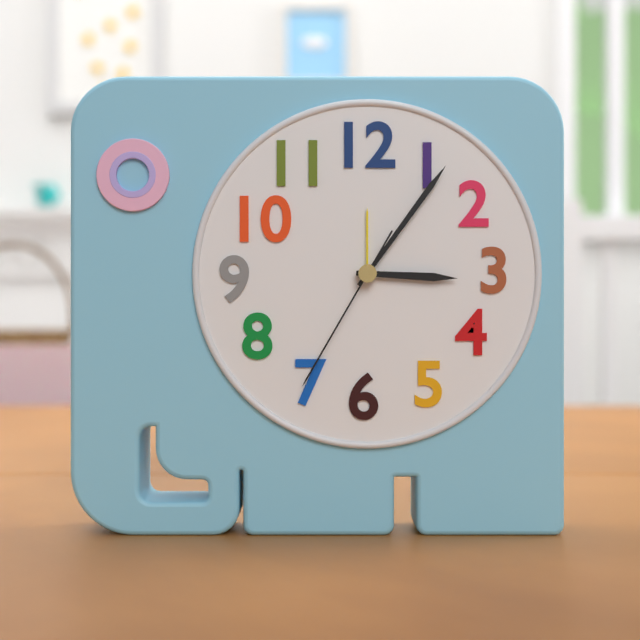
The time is 3:06:35
